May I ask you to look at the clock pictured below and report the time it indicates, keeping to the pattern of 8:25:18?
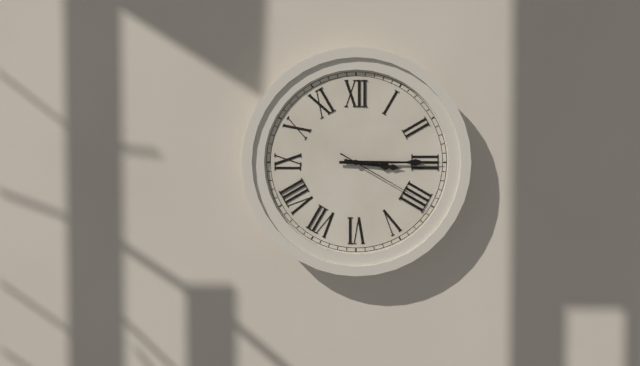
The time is 3:15:20
